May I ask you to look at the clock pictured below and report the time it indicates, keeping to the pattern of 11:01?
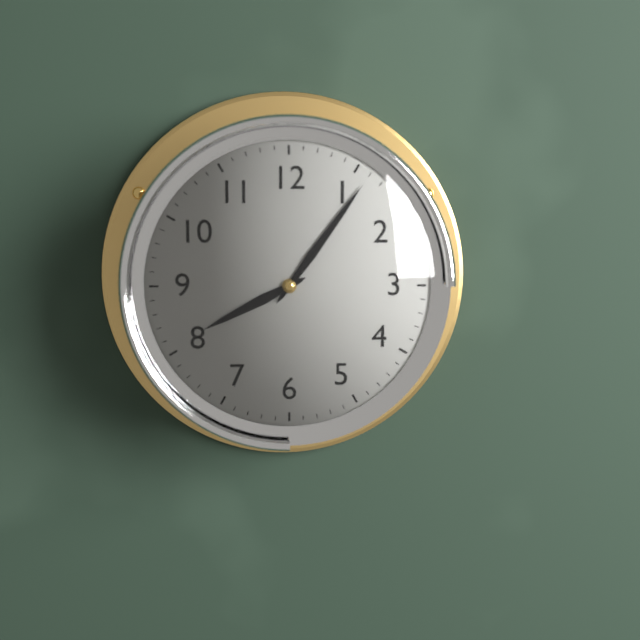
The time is 8:06
